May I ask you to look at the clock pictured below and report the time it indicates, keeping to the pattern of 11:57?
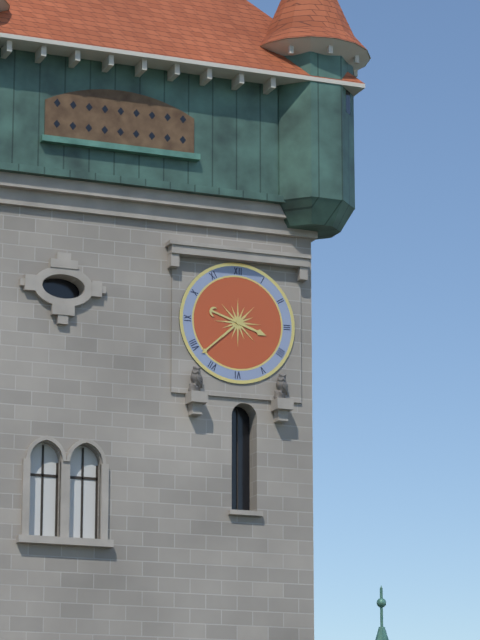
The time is 3:38
